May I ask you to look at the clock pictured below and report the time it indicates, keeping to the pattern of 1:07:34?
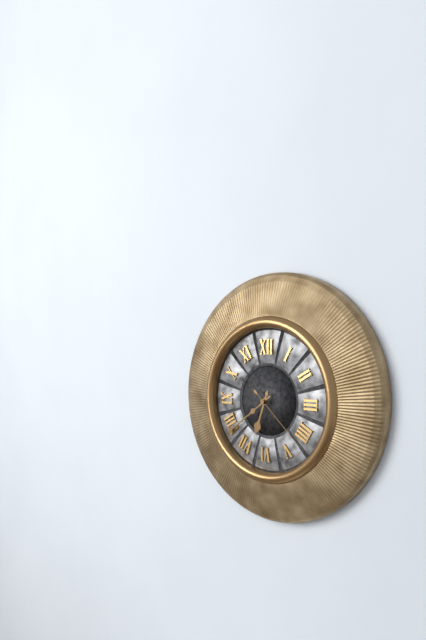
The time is 6:39:22
